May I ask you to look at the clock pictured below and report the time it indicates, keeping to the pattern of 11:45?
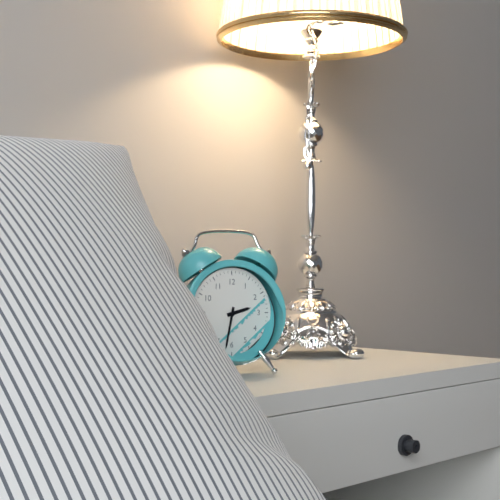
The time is 2:32
